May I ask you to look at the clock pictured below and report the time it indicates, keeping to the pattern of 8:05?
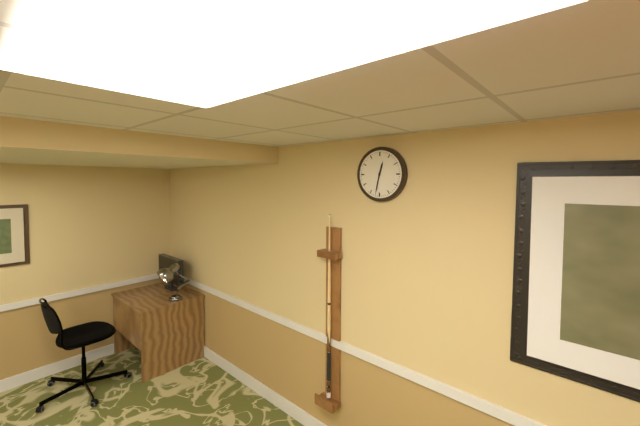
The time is 12:32
